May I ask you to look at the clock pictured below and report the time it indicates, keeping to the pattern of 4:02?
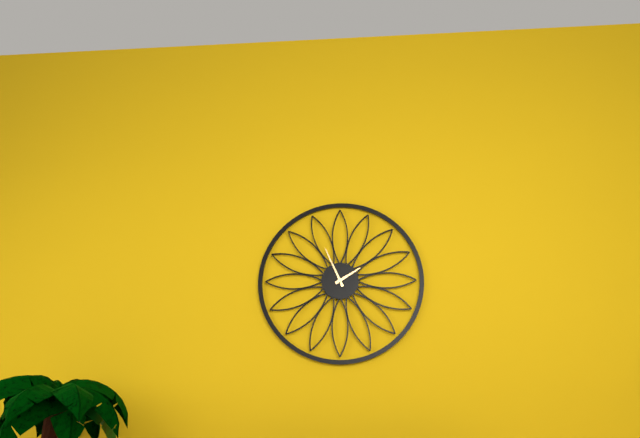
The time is 1:56
